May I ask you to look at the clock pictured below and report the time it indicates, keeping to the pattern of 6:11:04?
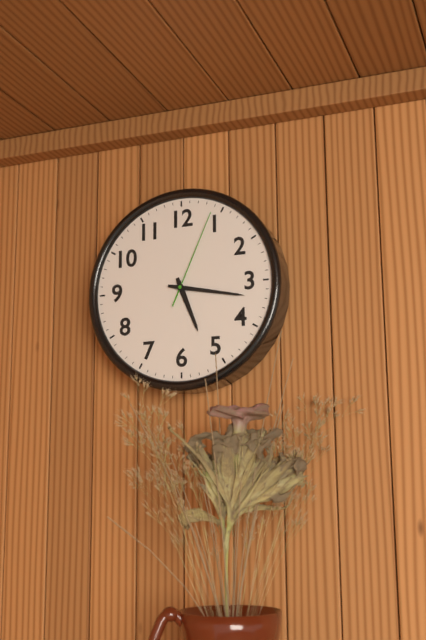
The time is 5:17:04
